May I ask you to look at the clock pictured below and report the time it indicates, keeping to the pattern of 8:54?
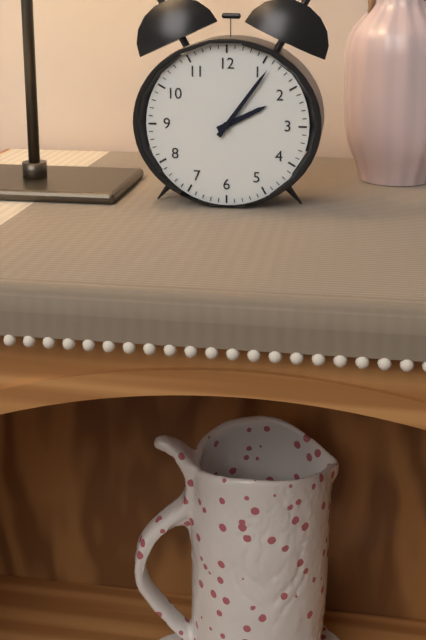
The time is 2:06
